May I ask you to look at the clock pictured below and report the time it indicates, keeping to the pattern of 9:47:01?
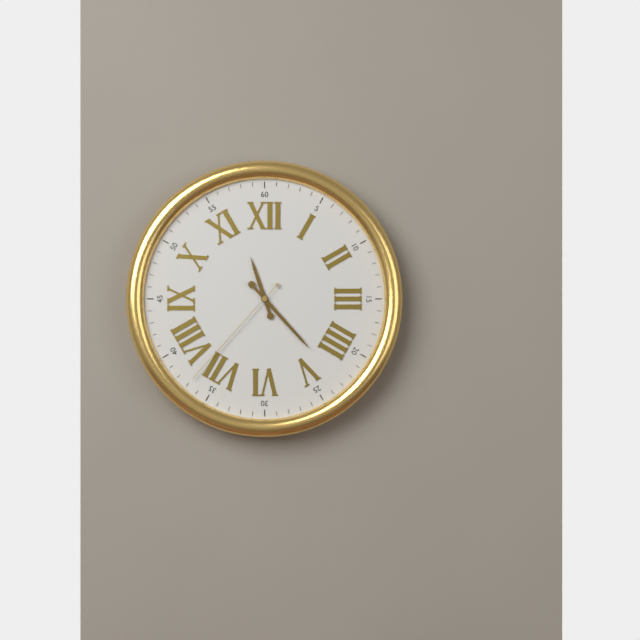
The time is 11:23:37
